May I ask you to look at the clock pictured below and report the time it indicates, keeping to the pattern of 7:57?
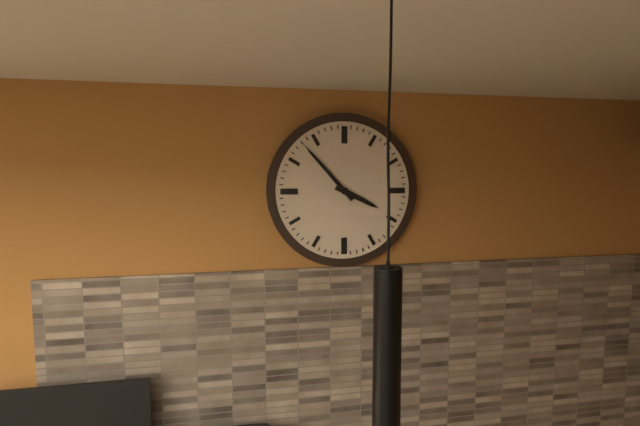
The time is 3:53
